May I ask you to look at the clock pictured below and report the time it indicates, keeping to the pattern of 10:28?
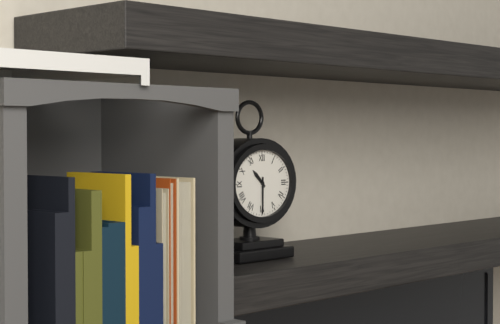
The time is 10:30
